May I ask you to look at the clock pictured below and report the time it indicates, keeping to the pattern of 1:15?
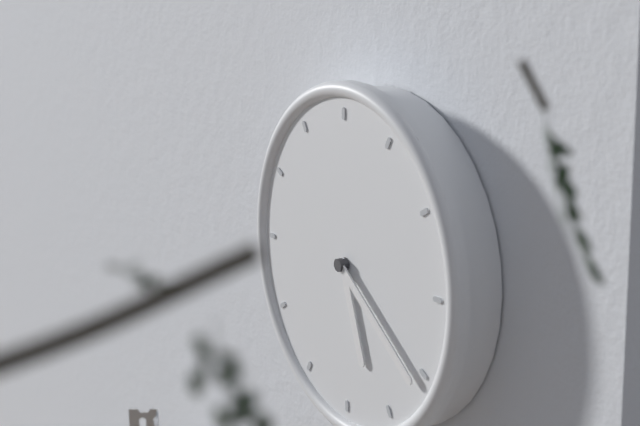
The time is 5:21
